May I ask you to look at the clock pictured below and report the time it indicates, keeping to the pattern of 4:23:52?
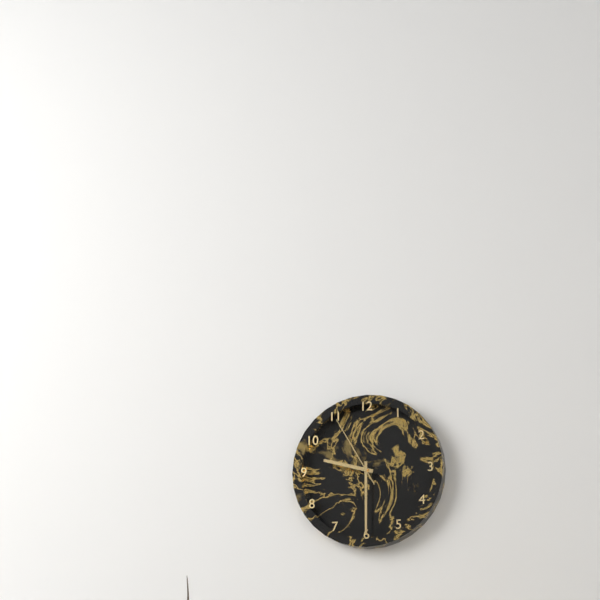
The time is 9:30:55
